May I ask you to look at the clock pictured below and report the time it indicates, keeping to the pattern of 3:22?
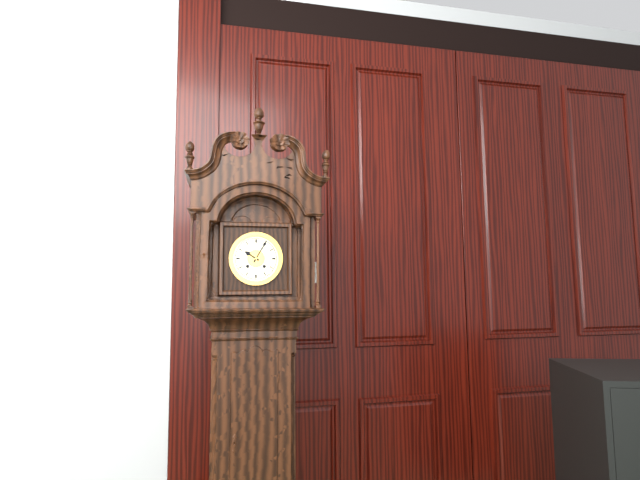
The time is 10:05
